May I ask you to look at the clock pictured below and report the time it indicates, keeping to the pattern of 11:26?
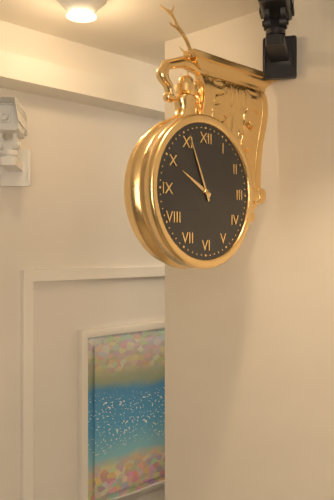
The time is 9:56
